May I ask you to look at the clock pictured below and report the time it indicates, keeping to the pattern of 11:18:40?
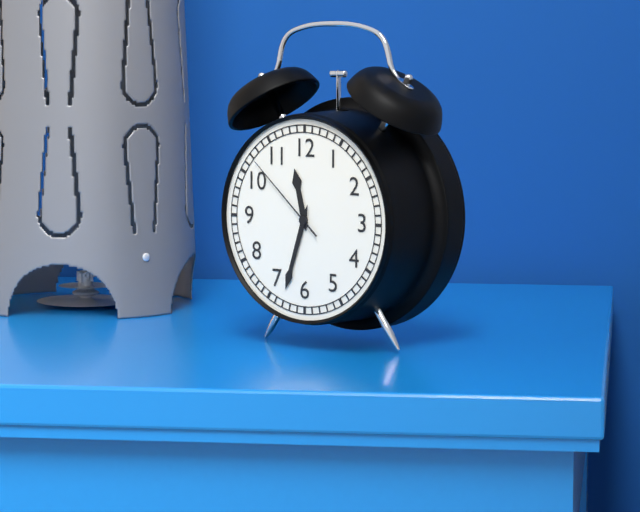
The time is 11:33:52
